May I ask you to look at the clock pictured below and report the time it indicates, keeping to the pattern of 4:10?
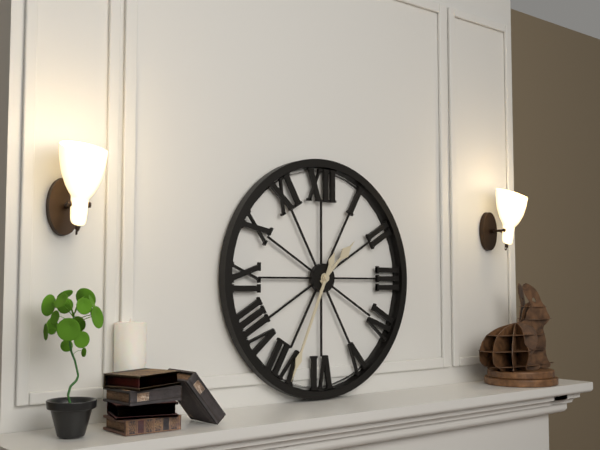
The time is 1:34
